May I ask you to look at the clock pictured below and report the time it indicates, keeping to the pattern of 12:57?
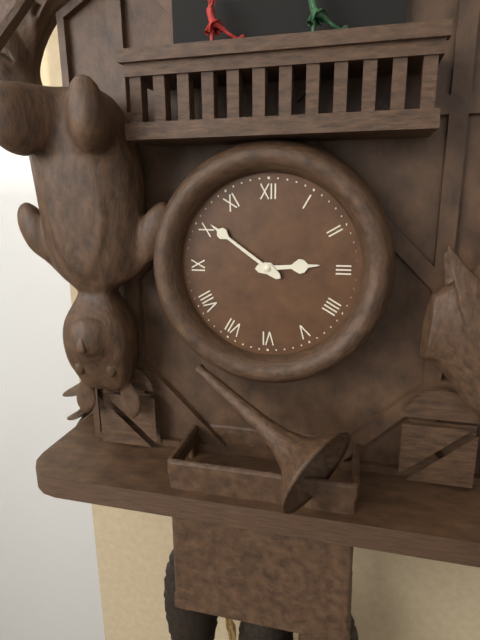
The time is 2:51
